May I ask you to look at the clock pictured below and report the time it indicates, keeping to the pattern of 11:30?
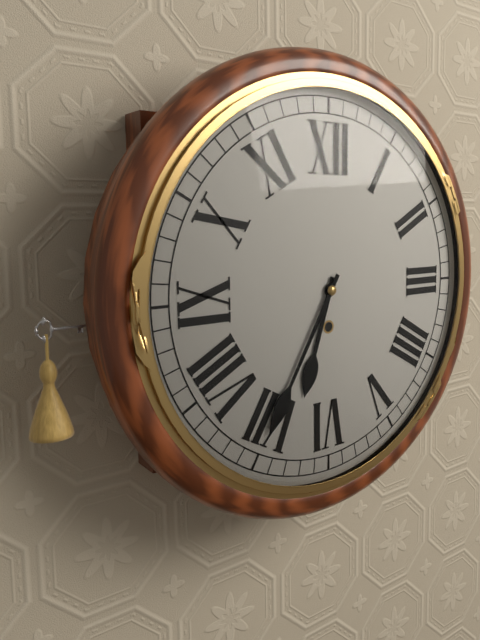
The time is 6:35
